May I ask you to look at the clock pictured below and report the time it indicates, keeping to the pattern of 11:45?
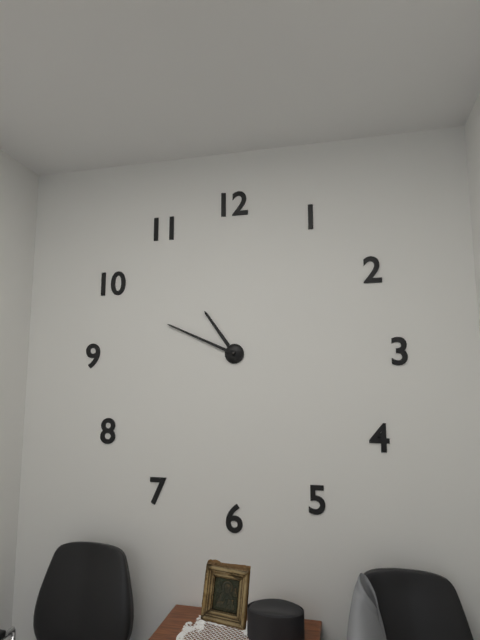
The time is 10:49
